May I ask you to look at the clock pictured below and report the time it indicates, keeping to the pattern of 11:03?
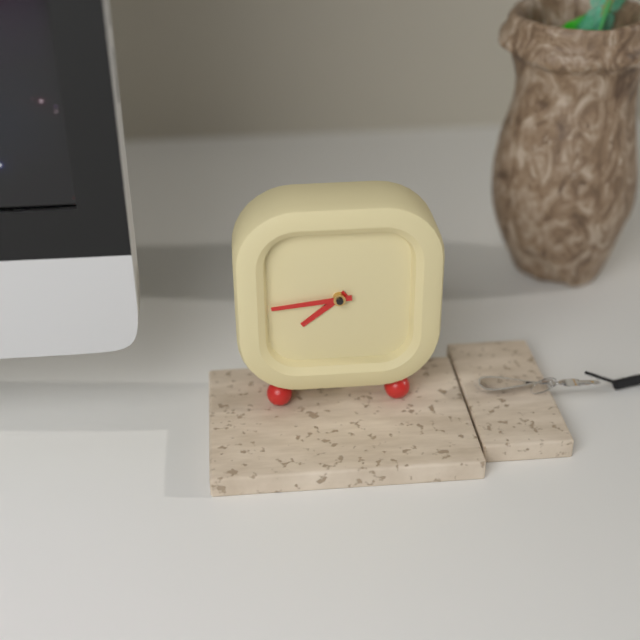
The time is 7:44
